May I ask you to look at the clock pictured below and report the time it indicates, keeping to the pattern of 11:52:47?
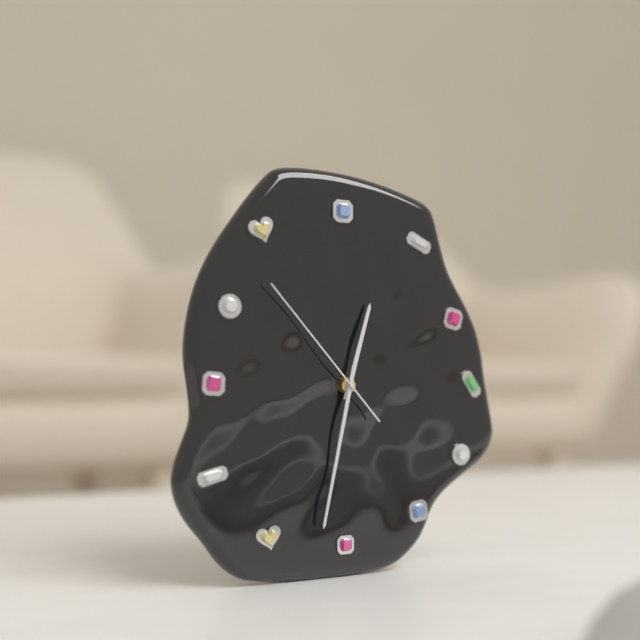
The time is 12:32:53
